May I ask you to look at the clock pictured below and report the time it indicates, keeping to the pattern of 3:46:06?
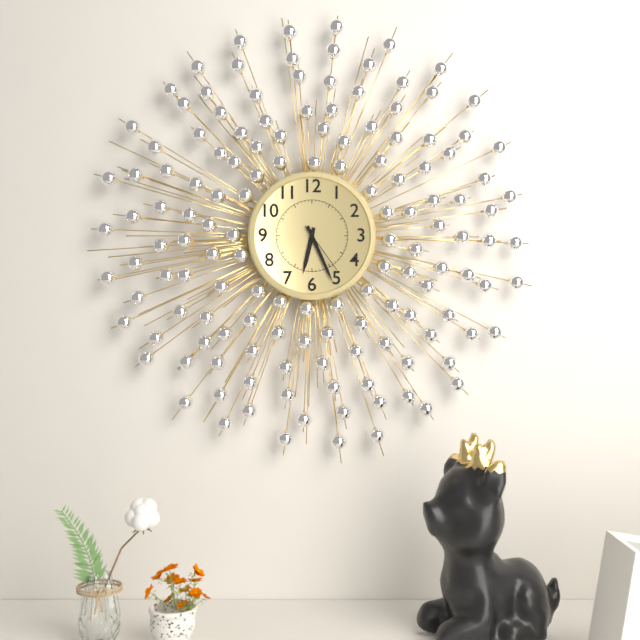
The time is 6:26:24
